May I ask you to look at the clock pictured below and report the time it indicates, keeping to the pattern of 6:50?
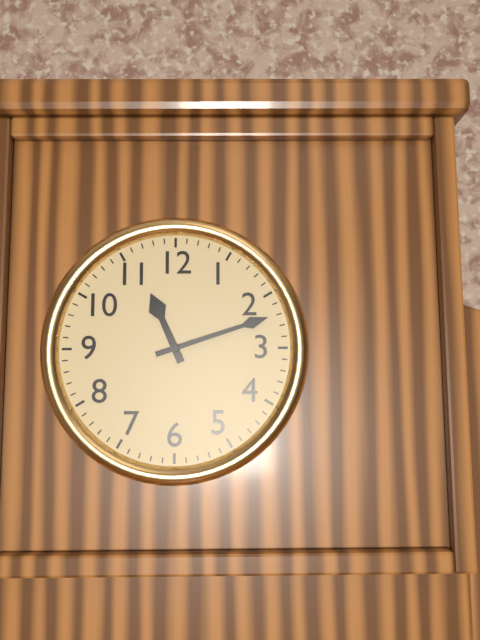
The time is 11:12
